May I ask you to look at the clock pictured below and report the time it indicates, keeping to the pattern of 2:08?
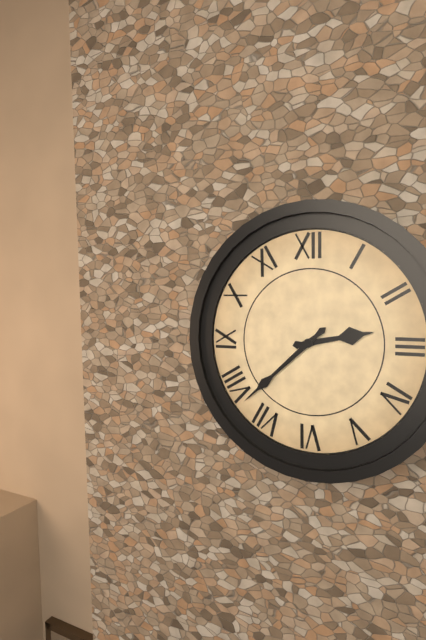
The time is 2:38
